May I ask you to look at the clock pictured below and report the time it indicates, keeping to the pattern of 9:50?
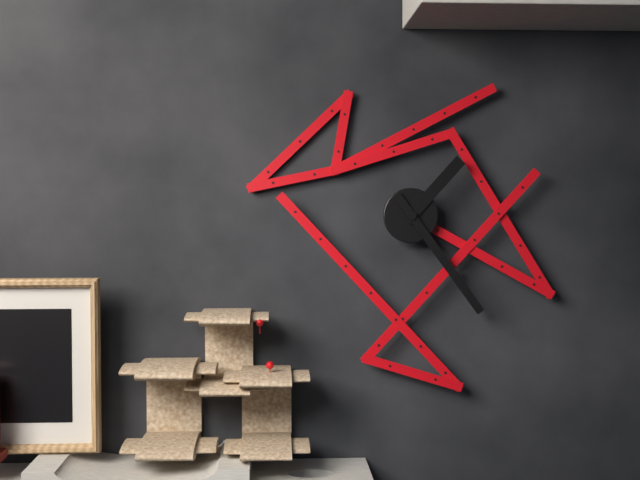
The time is 1:24
